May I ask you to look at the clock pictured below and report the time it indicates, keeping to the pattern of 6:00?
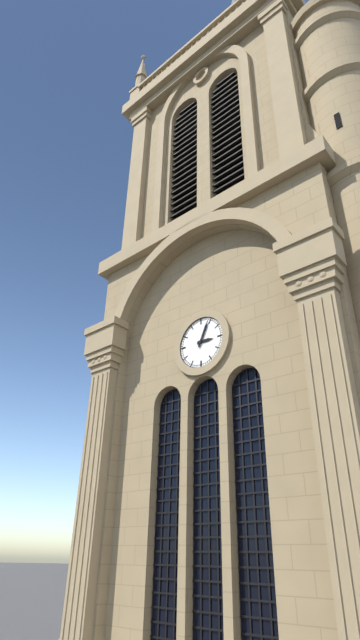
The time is 3:04
